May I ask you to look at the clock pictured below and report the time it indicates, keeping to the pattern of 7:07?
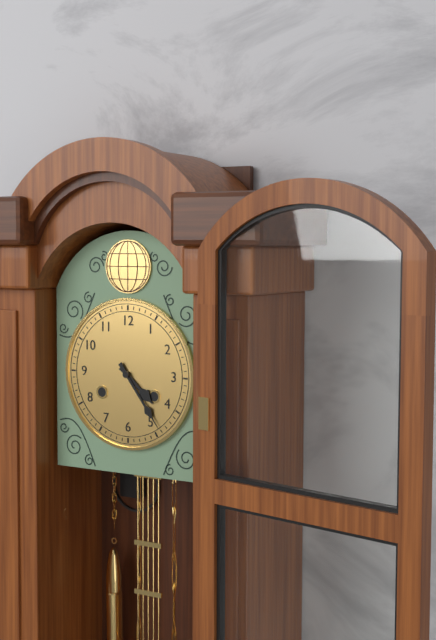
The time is 4:24
